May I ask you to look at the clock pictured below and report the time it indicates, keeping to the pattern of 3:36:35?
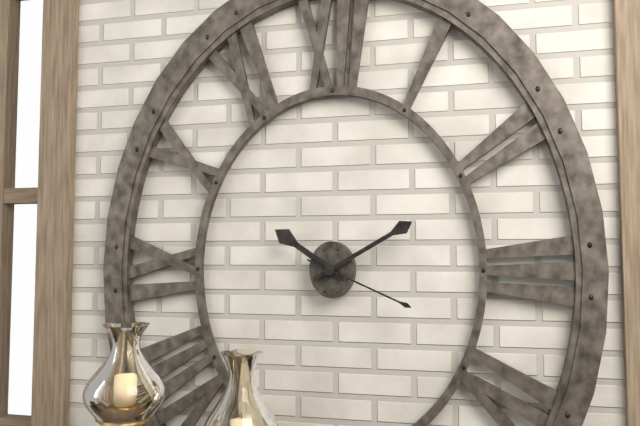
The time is 10:10:19
